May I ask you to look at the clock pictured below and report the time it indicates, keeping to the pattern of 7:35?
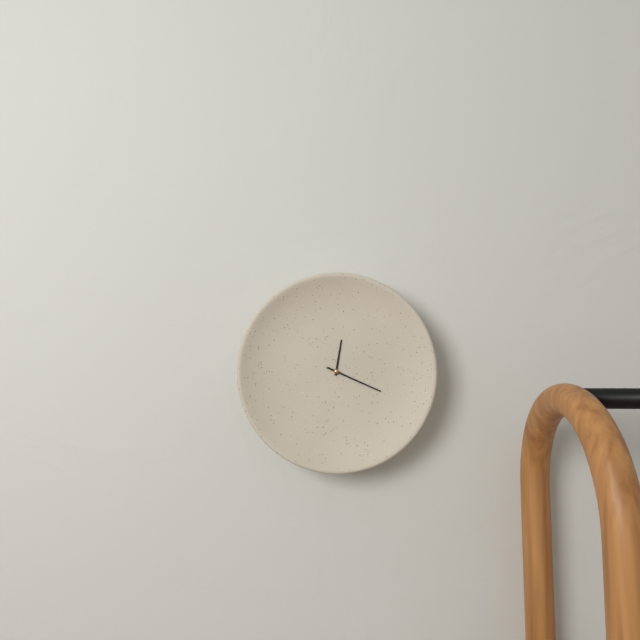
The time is 12:19
